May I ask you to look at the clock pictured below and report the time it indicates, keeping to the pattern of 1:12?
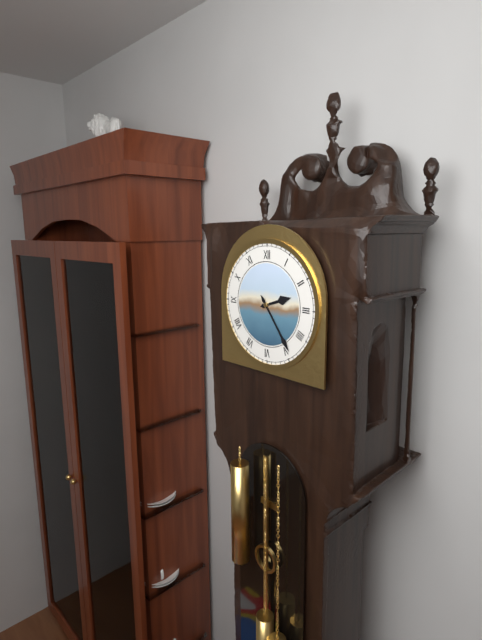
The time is 2:24
